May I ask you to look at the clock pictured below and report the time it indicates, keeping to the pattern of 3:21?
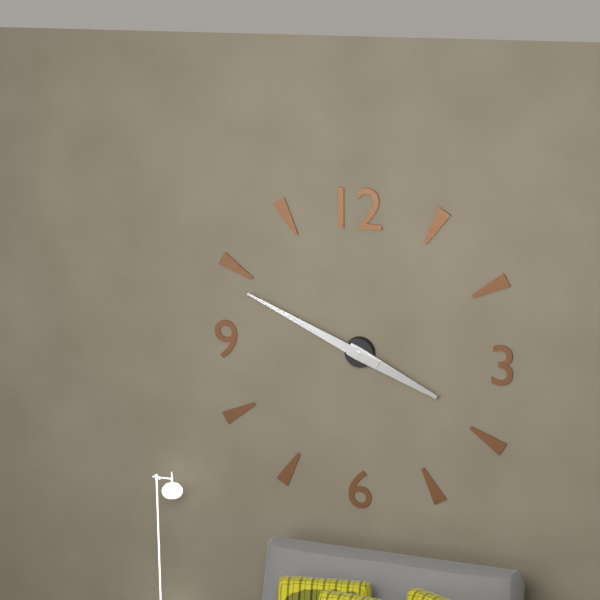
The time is 3:49
